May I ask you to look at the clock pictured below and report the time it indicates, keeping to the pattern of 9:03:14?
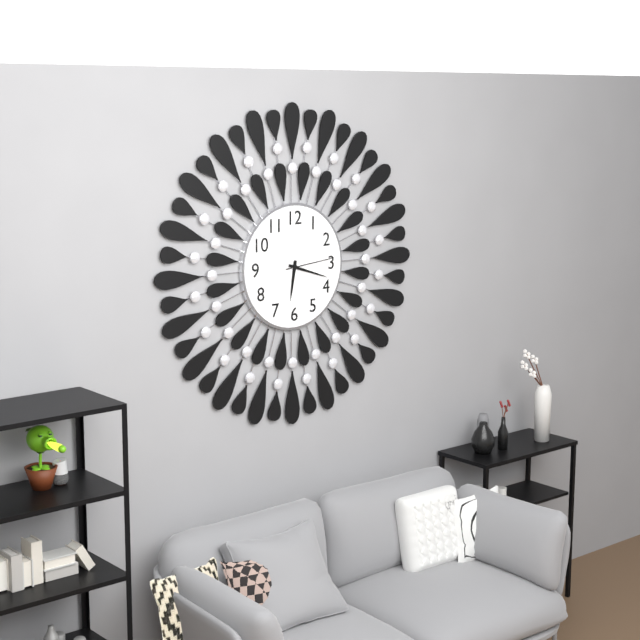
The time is 6:18:14
